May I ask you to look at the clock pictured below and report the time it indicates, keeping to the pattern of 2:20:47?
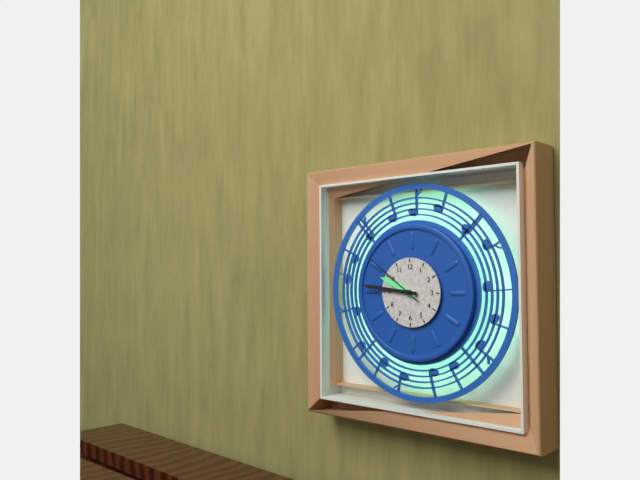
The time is 9:46:51
